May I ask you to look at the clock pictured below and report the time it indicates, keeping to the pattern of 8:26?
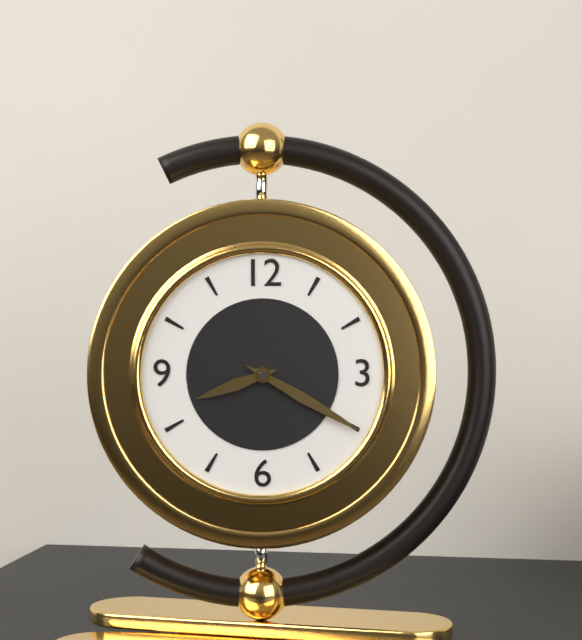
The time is 8:20
